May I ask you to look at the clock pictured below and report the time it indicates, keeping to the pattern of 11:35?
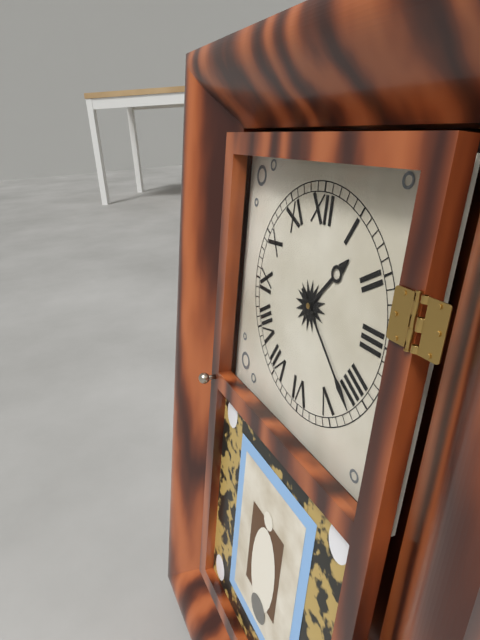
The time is 1:22
